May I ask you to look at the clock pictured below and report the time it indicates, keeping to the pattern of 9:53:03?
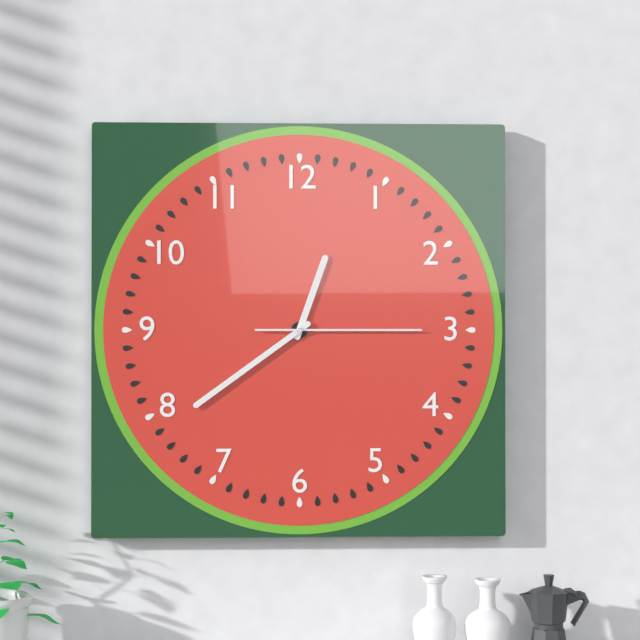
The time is 12:39:15
